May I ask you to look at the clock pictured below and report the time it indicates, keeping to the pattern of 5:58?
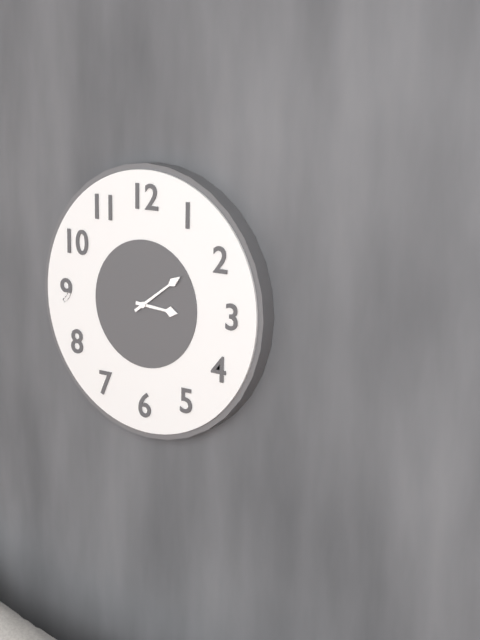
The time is 3:09
